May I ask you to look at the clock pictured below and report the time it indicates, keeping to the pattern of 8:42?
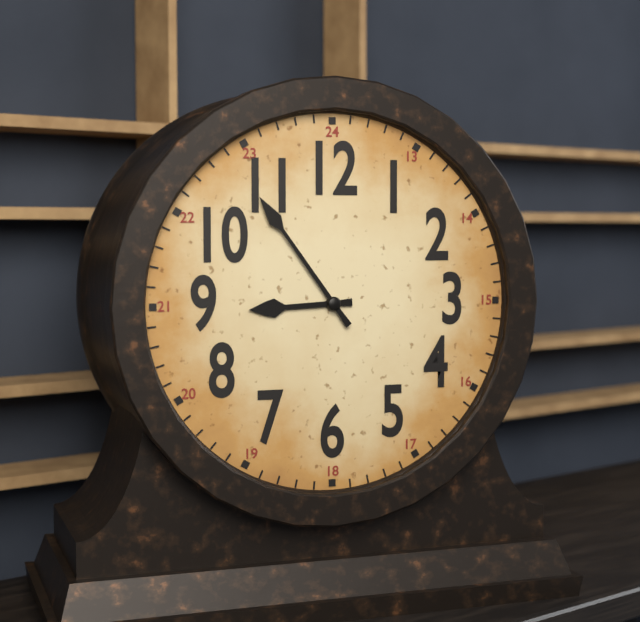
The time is 8:54
